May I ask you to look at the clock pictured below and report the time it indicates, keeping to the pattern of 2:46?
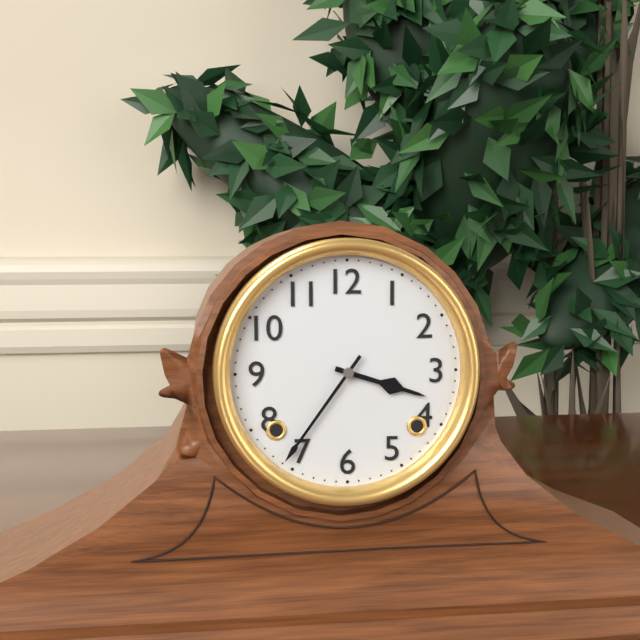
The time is 3:36
